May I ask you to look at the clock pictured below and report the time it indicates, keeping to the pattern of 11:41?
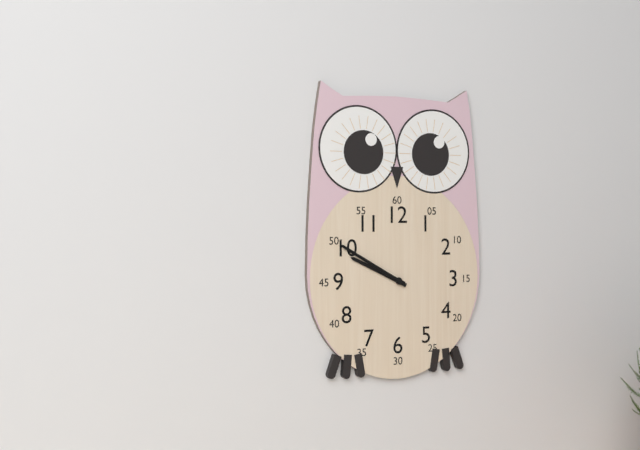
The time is 9:50
